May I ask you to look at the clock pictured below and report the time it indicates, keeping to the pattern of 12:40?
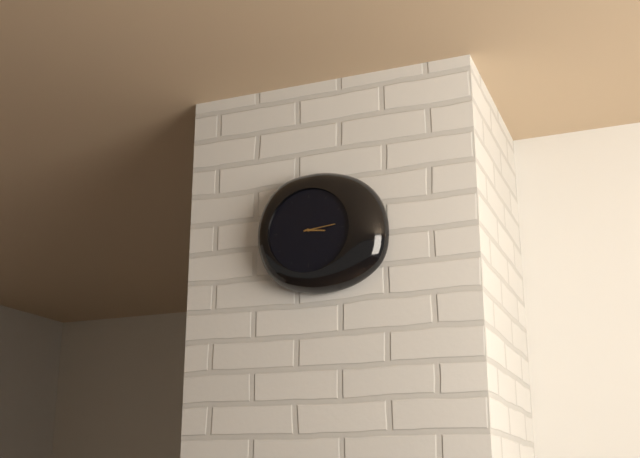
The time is 3:14
